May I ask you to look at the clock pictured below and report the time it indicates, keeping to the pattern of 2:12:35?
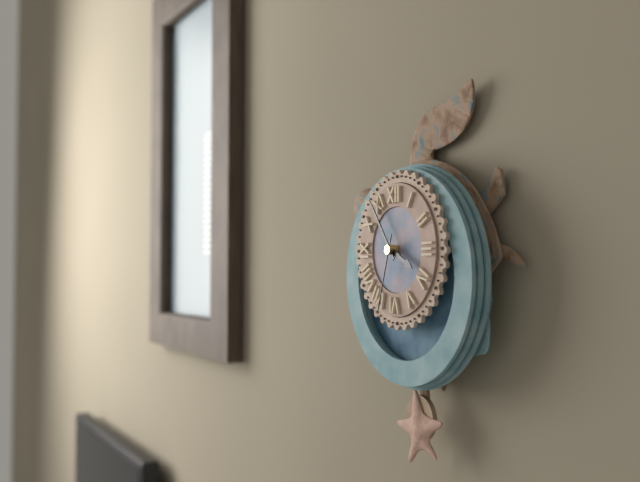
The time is 3:54:33
